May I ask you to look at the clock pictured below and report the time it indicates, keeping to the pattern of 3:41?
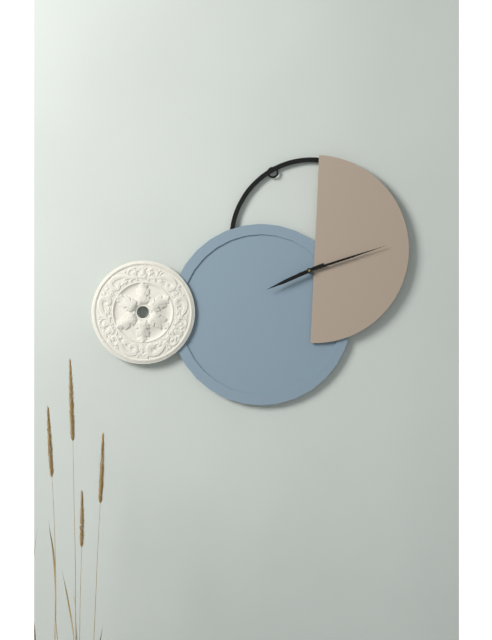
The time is 8:12
